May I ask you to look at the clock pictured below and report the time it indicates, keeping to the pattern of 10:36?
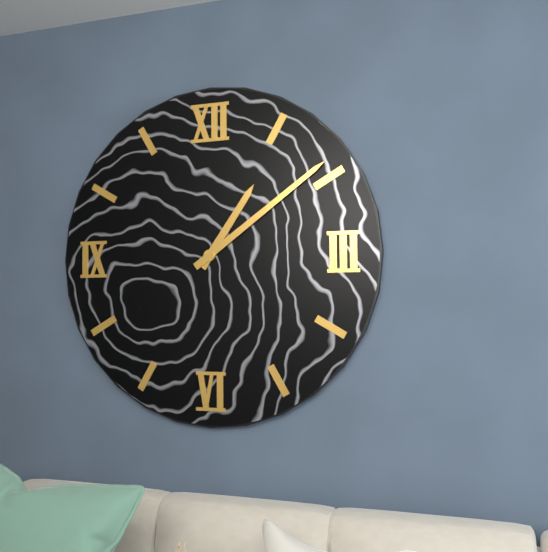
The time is 1:09
